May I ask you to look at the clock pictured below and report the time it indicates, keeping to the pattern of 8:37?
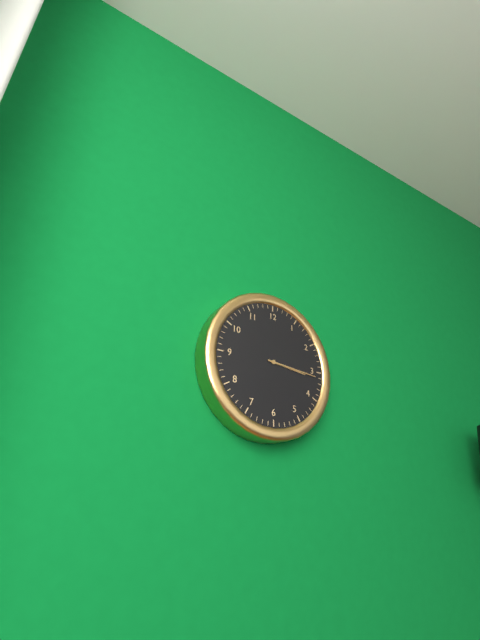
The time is 3:16
